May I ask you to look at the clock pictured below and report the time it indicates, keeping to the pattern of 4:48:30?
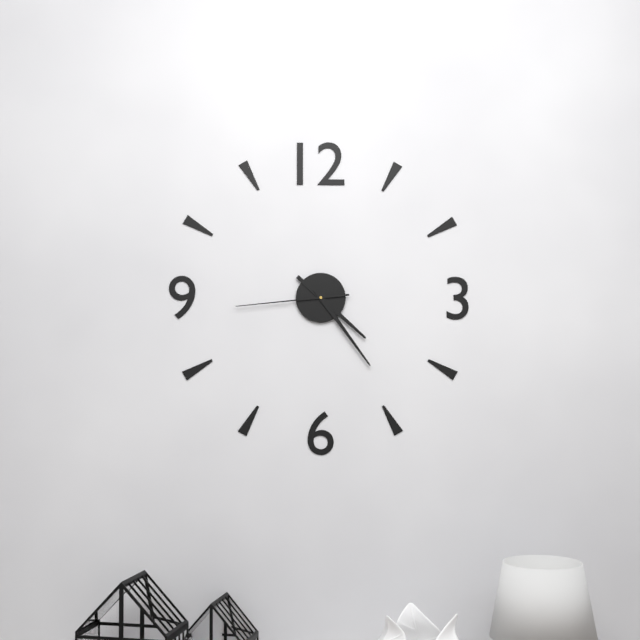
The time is 4:24:44
